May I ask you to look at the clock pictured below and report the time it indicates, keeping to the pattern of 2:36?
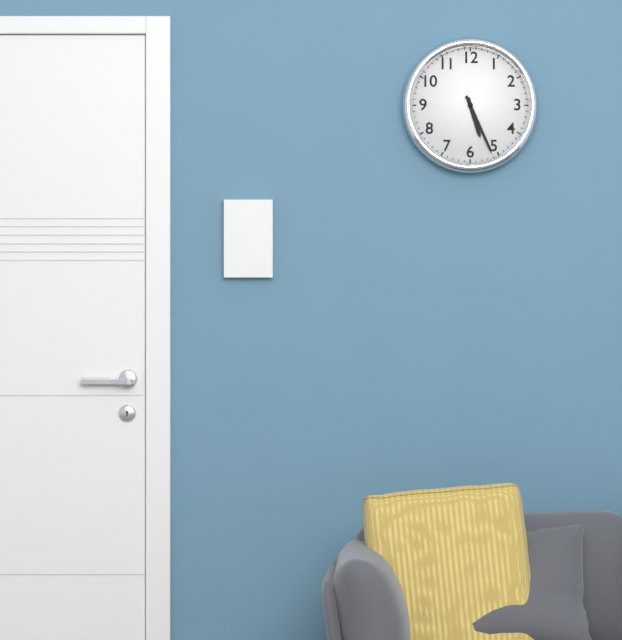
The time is 5:26
